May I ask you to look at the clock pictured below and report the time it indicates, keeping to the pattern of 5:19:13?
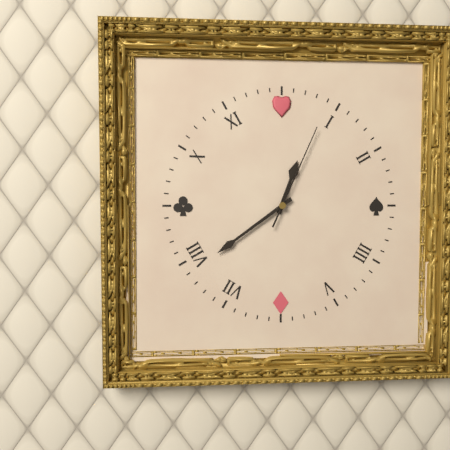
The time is 12:39:04
